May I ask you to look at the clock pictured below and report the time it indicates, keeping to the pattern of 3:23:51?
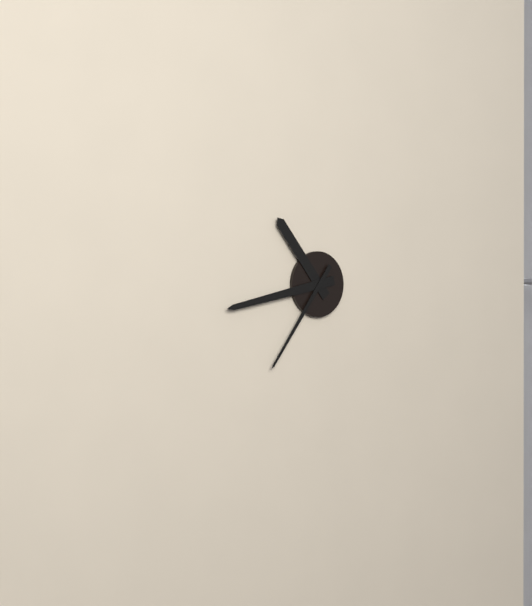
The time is 10:43:36
